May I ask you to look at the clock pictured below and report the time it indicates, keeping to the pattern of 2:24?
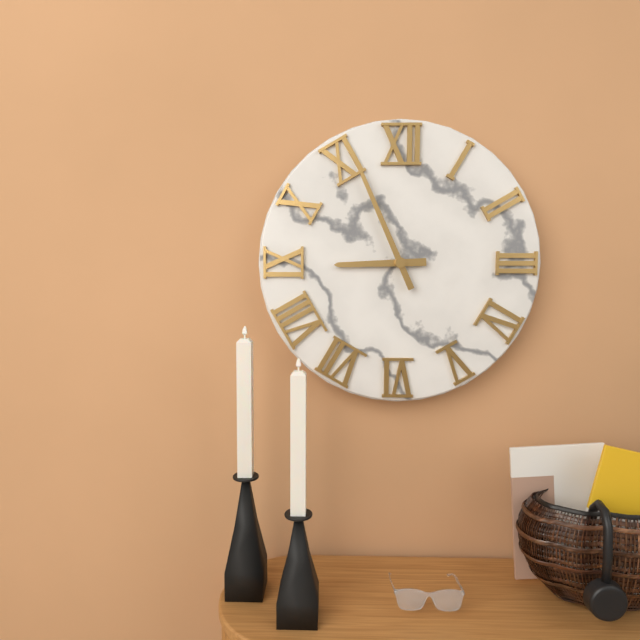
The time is 8:56
